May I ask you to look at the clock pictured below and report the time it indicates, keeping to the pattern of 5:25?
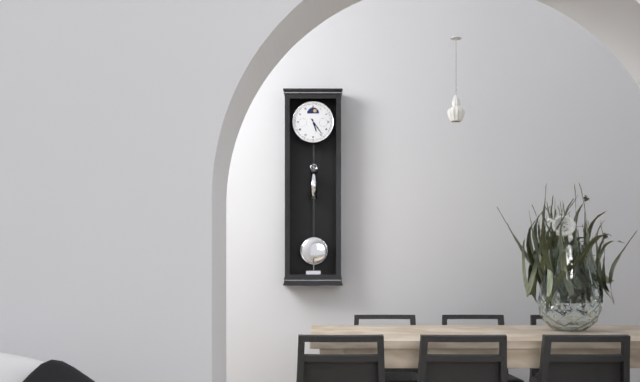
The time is 5:24
